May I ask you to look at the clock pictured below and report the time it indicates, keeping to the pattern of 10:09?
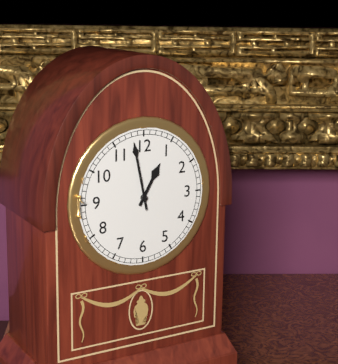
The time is 12:58
